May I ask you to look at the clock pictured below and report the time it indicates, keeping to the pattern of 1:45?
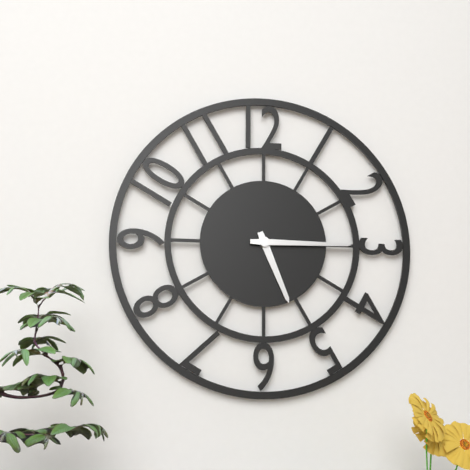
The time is 5:15
